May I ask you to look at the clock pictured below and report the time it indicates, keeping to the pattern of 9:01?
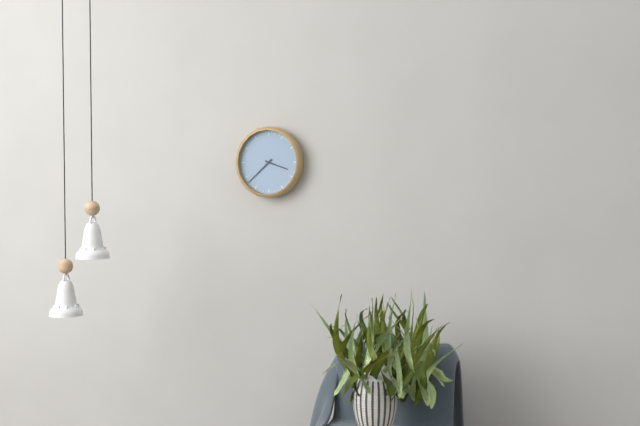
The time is 3:38
